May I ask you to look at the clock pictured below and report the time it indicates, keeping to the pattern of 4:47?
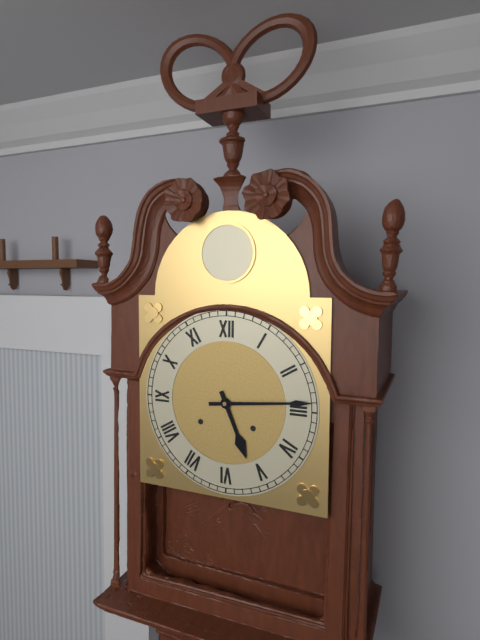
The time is 5:14
